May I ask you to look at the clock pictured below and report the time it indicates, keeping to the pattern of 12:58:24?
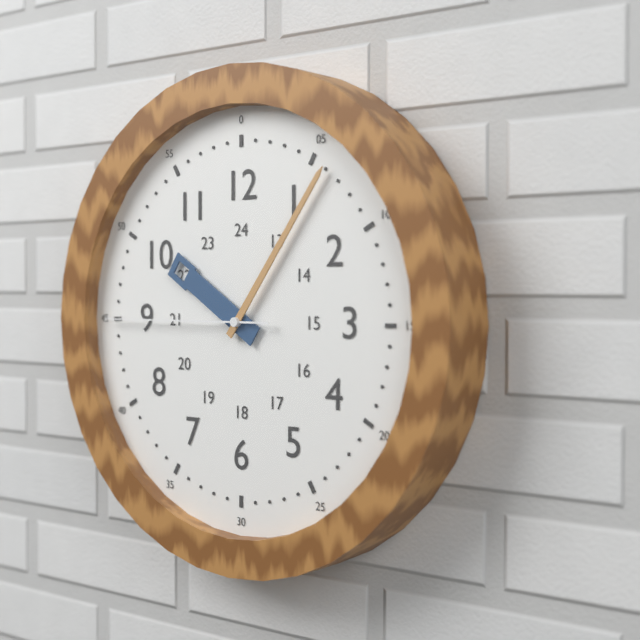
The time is 10:06:45
